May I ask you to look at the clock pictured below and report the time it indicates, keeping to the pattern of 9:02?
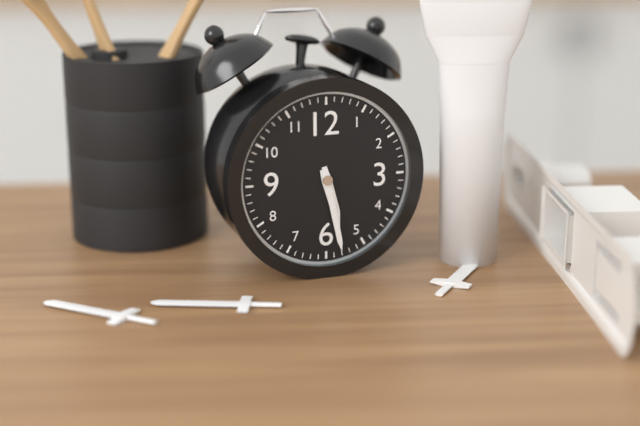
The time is 5:28
